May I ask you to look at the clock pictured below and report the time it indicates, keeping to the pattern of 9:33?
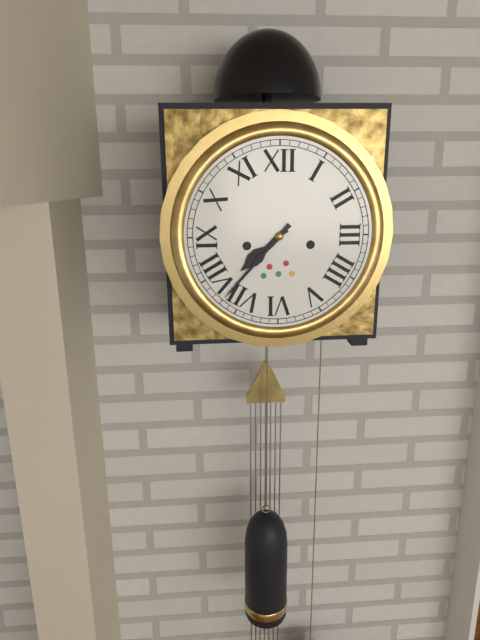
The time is 7:37
